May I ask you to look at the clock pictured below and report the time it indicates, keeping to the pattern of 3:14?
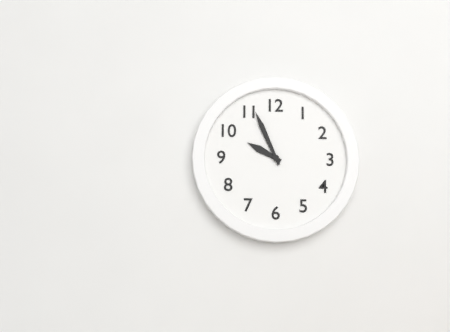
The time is 9:56
